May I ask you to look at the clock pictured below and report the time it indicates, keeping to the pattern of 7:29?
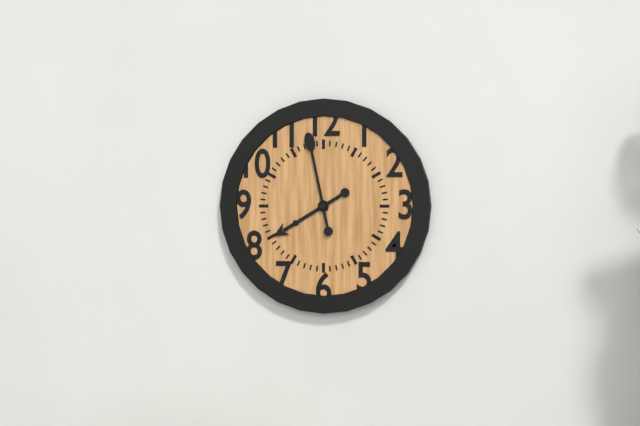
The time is 7:58
